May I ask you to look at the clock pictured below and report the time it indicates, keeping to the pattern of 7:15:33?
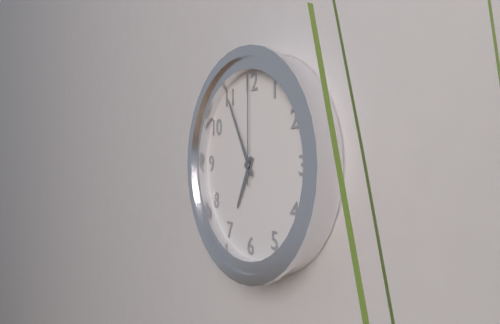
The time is 6:55:00
